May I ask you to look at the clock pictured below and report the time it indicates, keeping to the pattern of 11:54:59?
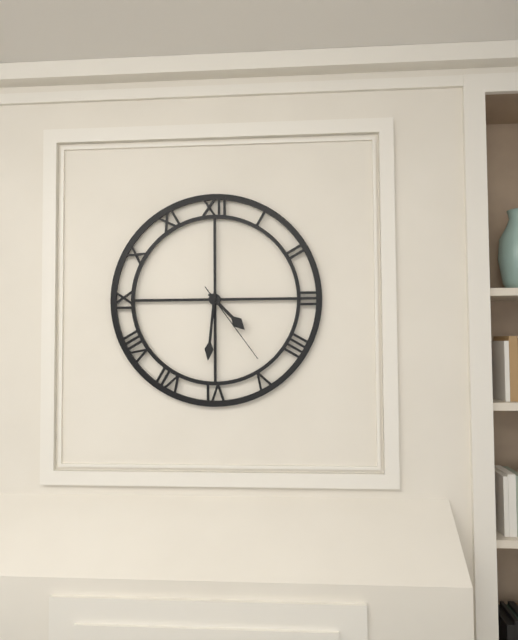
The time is 4:31:24
